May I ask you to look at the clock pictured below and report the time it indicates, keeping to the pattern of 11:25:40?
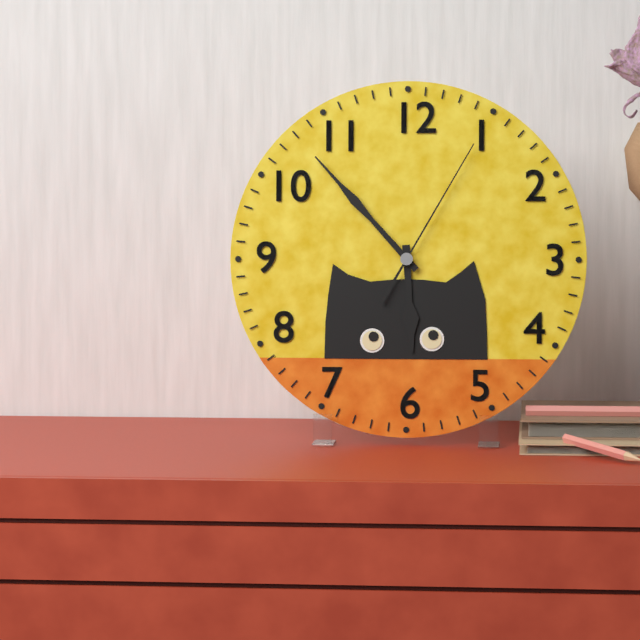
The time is 5:53:05
